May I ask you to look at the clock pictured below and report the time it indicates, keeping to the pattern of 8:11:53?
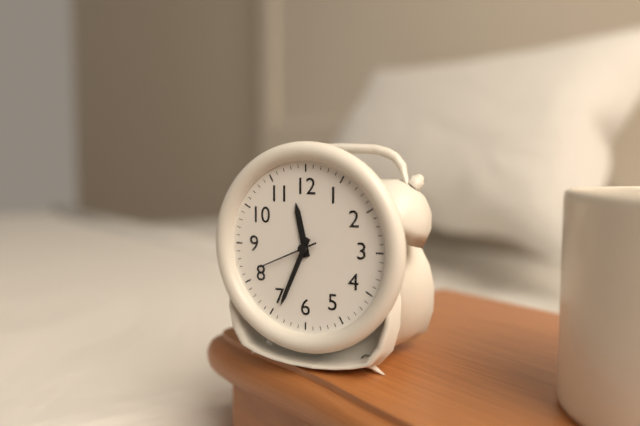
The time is 11:34:41
